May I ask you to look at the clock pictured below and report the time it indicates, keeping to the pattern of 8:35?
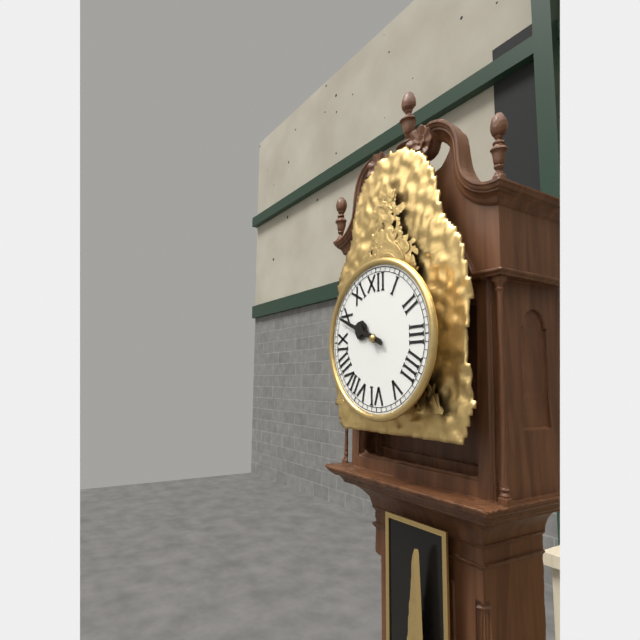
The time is 9:49
